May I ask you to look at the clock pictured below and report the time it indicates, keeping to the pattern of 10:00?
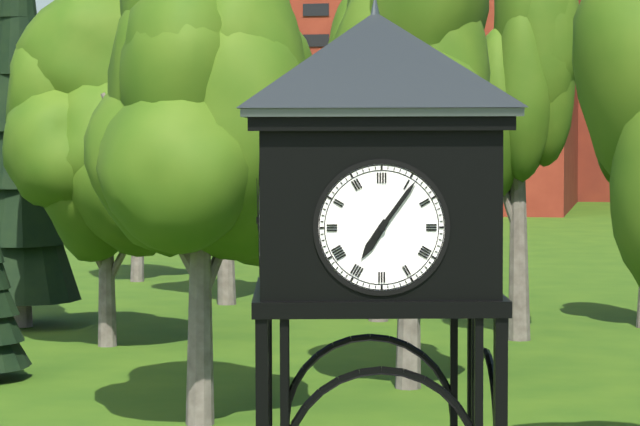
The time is 7:06
